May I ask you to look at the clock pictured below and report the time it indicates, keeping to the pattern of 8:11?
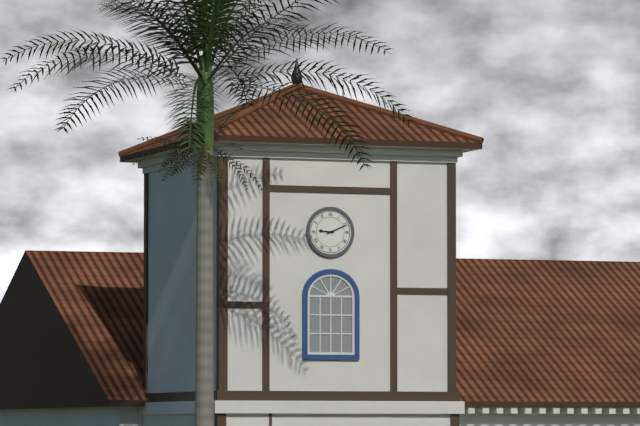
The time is 9:11
